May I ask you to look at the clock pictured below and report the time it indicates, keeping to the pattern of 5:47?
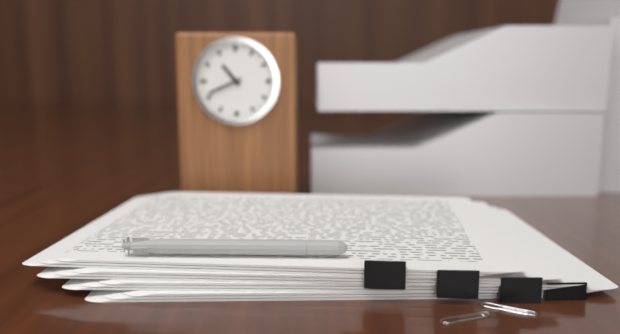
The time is 10:41
